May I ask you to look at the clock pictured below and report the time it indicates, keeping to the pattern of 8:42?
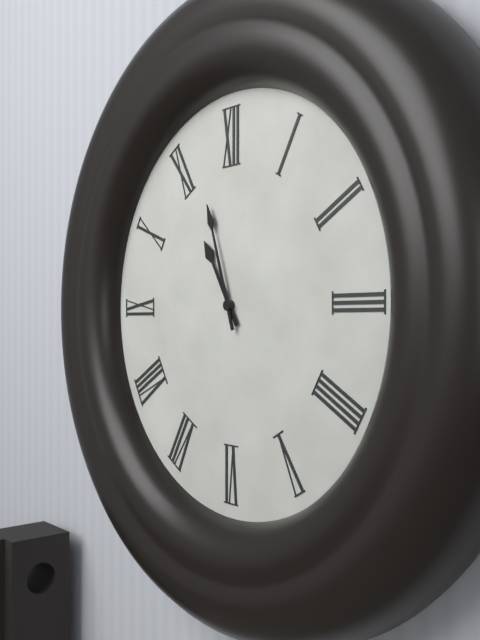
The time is 10:57
